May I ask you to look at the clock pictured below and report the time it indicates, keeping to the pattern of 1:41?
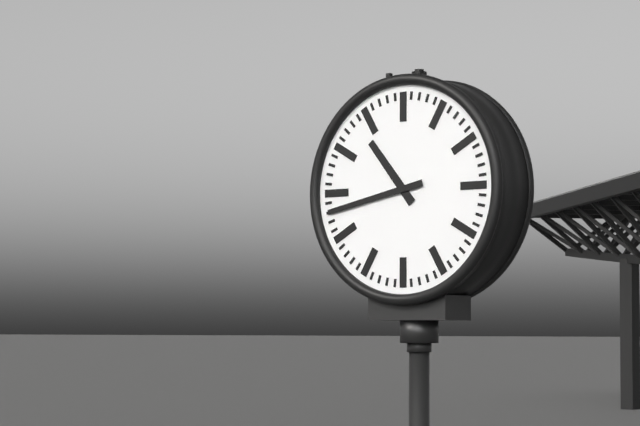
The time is 10:43
